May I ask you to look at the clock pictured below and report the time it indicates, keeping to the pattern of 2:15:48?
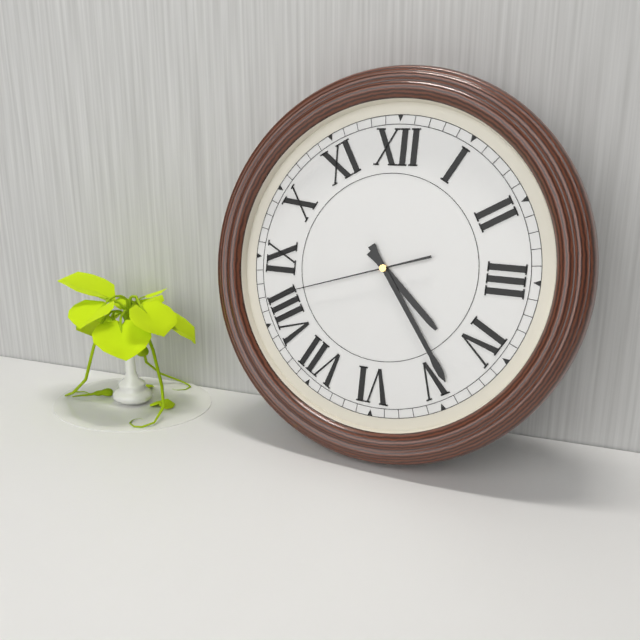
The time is 4:24:42
